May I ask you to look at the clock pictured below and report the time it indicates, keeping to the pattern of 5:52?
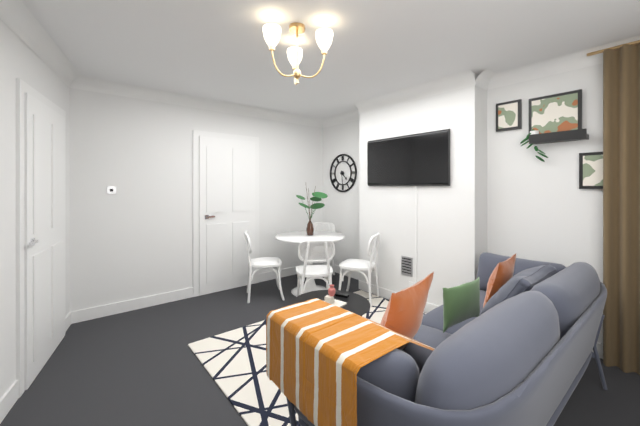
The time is 4:29
